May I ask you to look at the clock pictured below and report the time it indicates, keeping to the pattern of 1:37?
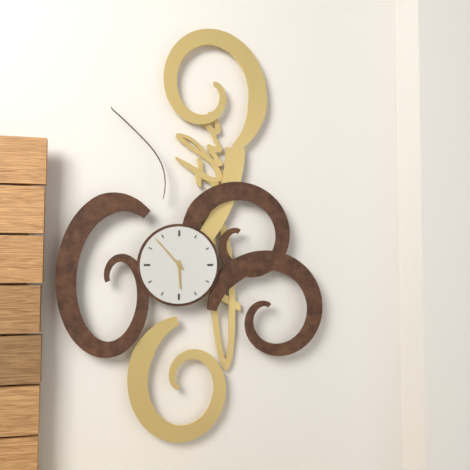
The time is 5:53
